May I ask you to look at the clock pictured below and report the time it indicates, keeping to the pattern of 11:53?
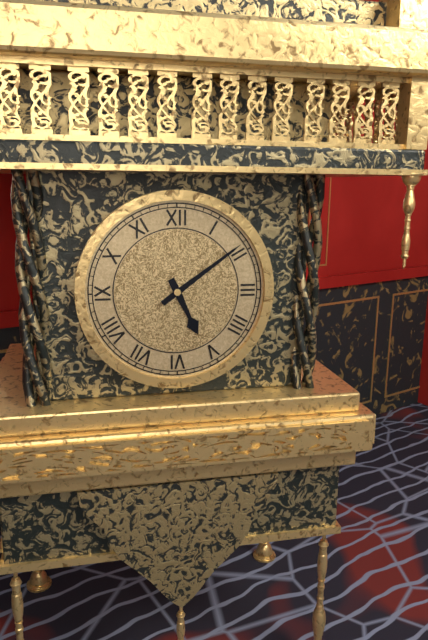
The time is 5:09
